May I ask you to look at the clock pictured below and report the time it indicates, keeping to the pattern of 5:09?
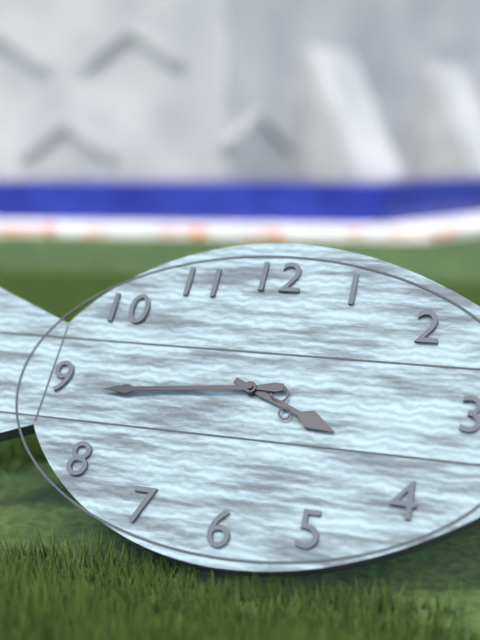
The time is 3:44
